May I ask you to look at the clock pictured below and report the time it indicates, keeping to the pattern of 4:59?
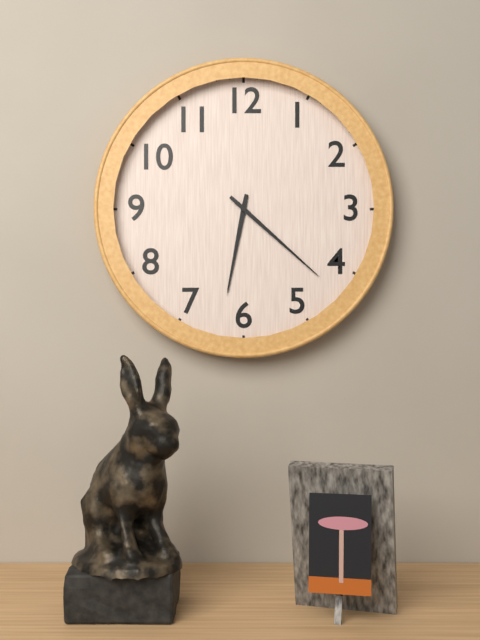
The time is 6:22
